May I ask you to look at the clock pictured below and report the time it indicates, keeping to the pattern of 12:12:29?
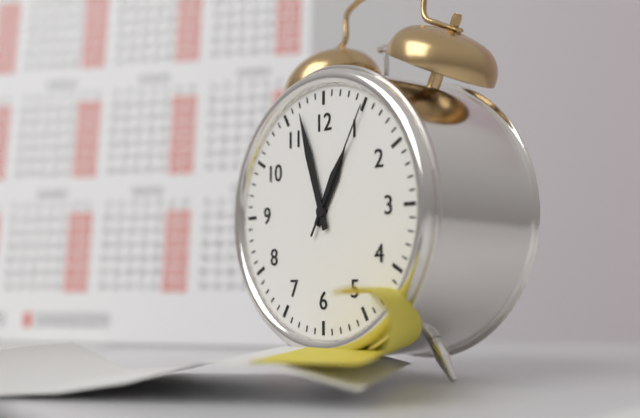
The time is 12:57:05
